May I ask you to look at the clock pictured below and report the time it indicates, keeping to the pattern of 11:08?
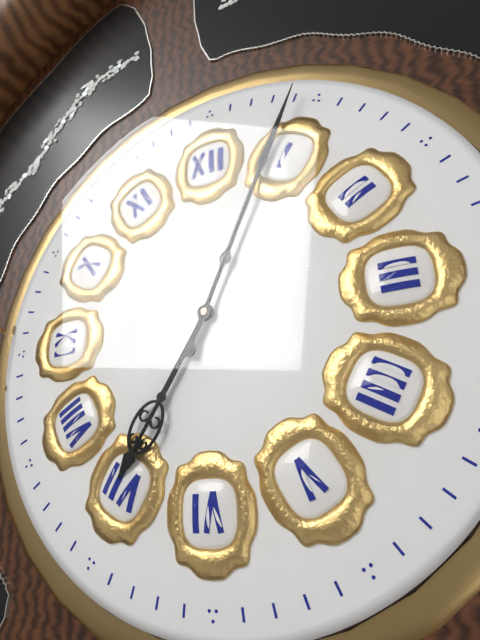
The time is 7:04
